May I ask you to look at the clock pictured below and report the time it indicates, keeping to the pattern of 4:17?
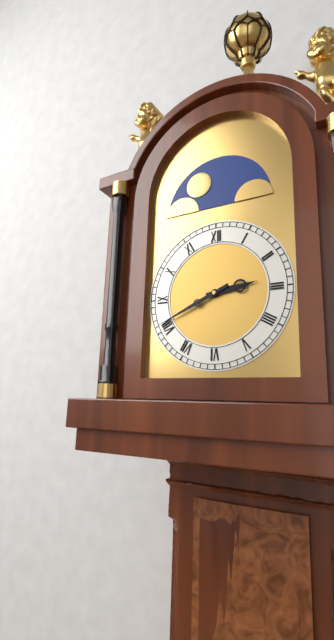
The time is 2:41
